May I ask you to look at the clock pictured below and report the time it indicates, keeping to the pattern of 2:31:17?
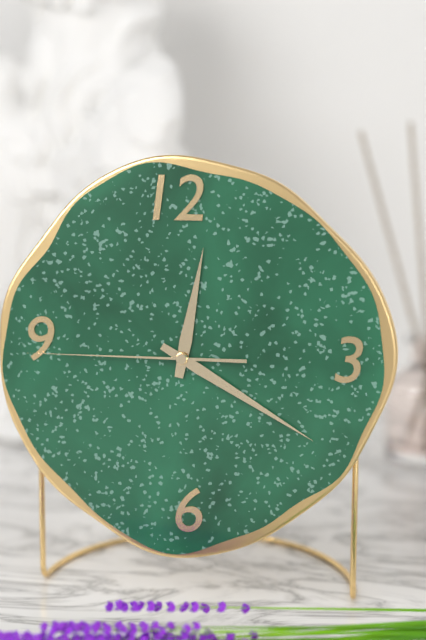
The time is 12:20:45
